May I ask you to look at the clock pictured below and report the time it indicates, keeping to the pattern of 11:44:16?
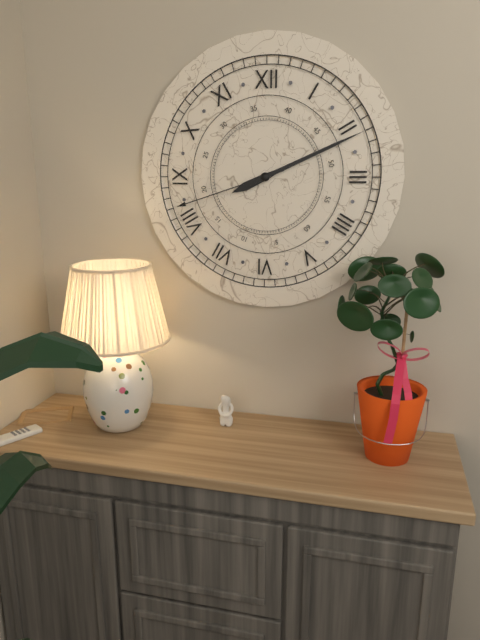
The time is 8:11:42
